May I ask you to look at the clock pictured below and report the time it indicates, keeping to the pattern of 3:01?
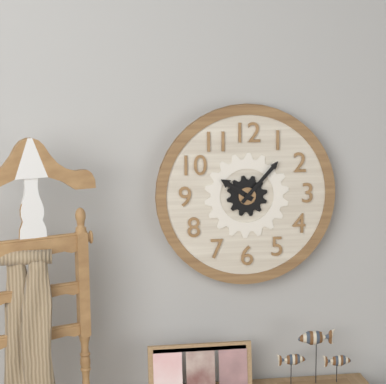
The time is 10:07
